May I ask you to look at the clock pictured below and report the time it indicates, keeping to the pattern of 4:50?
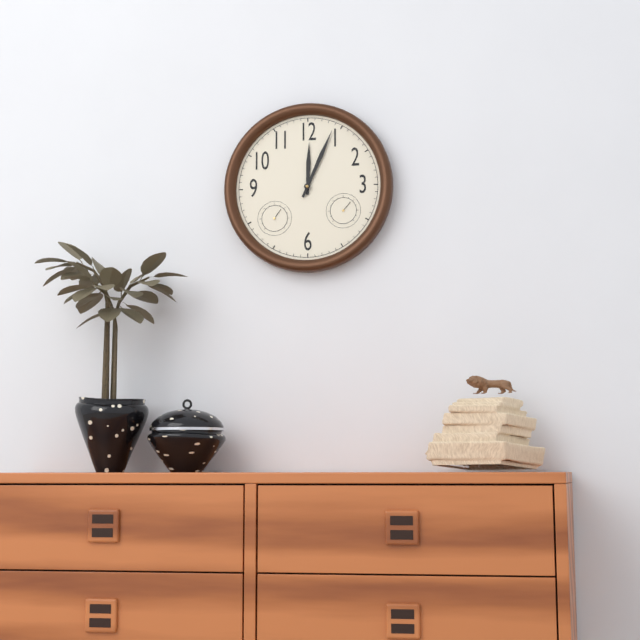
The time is 12:04
